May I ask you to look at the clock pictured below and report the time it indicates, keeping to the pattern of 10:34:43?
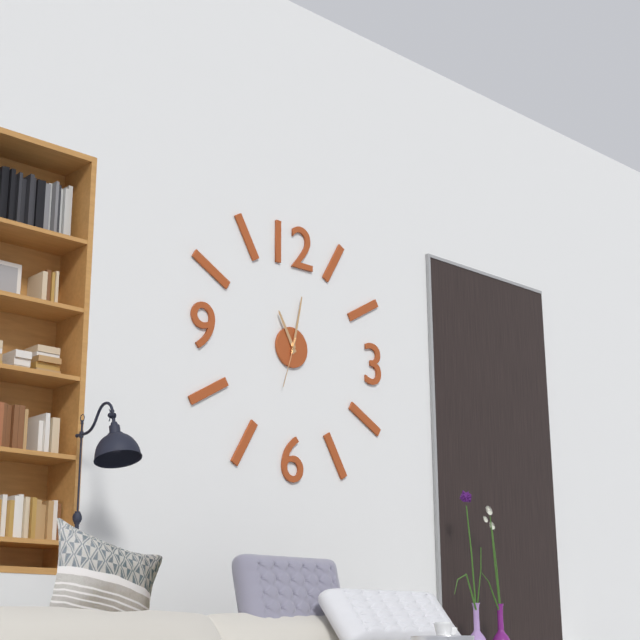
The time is 11:02:33
